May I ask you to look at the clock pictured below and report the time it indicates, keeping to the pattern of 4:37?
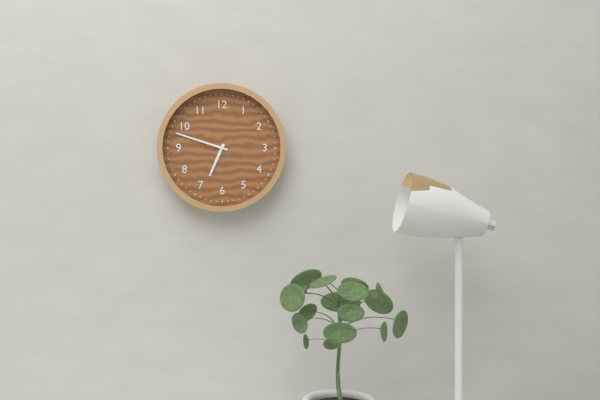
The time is 6:48
